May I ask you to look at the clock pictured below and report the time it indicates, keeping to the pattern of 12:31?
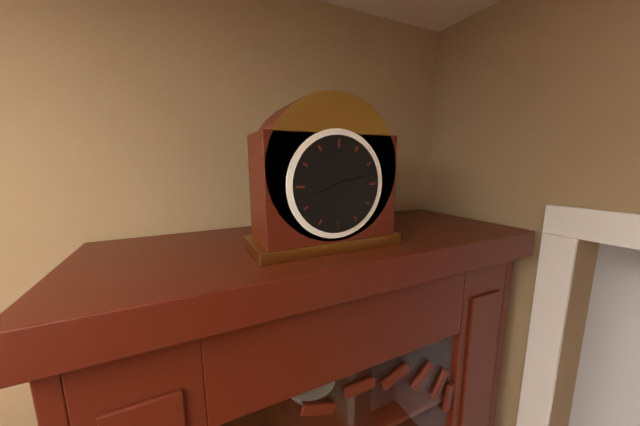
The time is 8:13
